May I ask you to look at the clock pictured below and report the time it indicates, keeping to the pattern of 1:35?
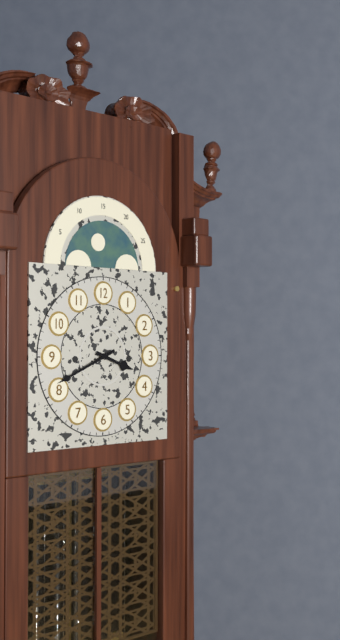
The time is 3:41
